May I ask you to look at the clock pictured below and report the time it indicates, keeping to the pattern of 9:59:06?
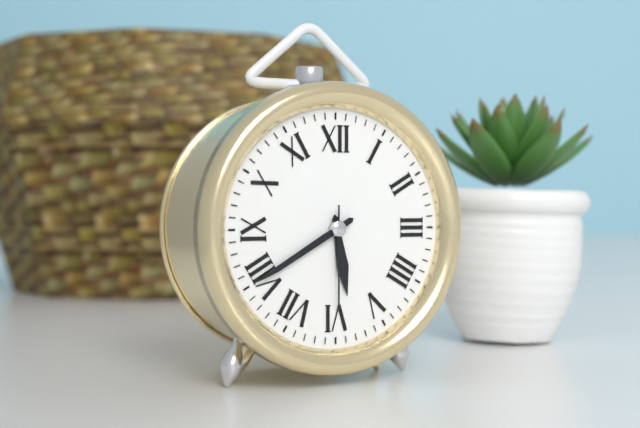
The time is 5:40:30
